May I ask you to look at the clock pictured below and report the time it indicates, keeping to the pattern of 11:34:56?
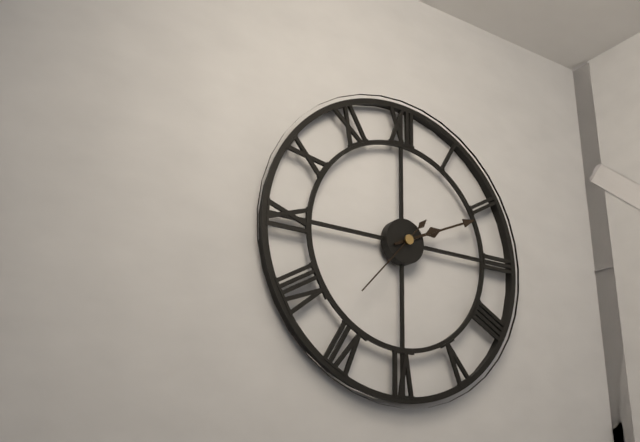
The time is 2:11:37
